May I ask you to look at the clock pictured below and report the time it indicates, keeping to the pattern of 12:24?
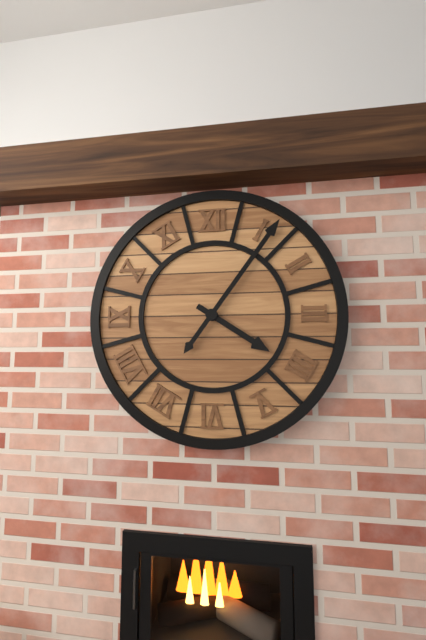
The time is 4:06
